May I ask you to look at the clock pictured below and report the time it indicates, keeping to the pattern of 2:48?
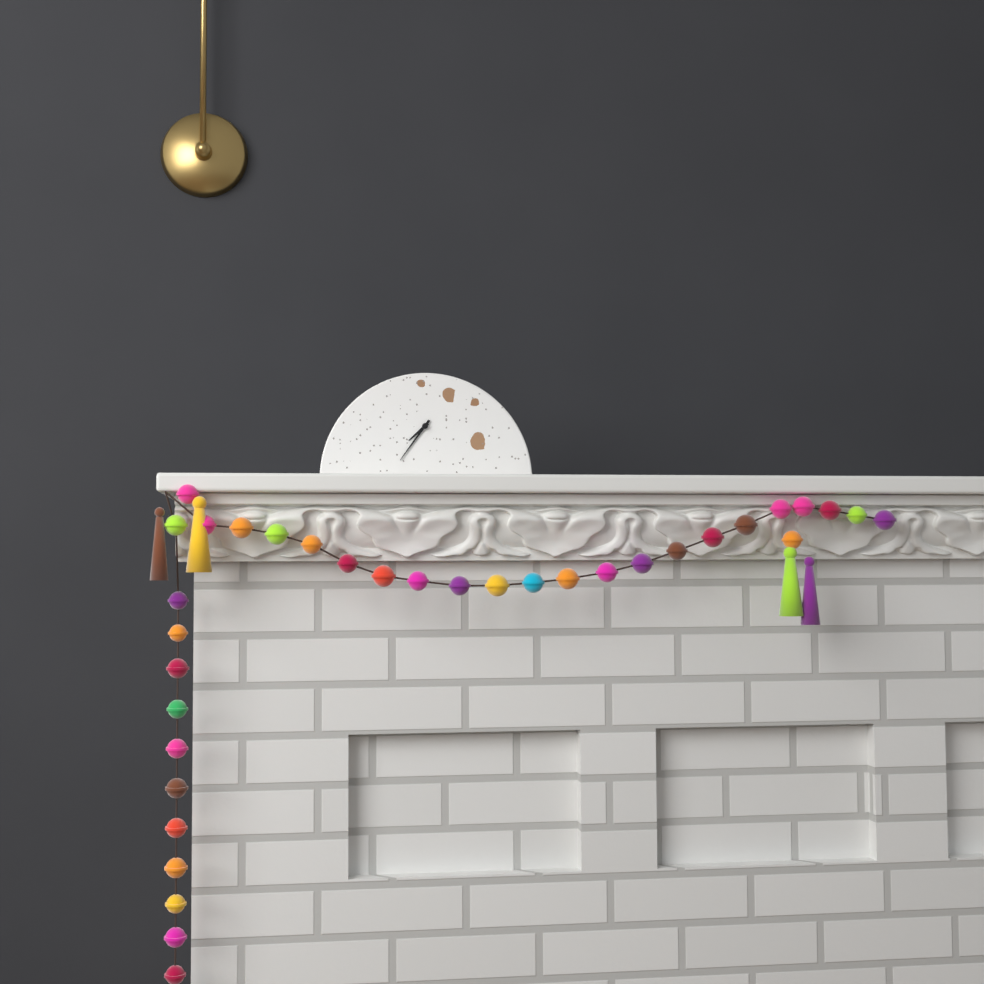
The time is 7:36
